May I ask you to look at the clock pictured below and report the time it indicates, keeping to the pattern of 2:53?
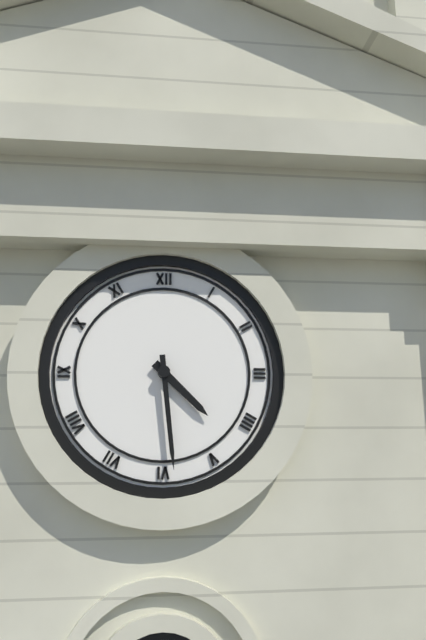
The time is 4:29
